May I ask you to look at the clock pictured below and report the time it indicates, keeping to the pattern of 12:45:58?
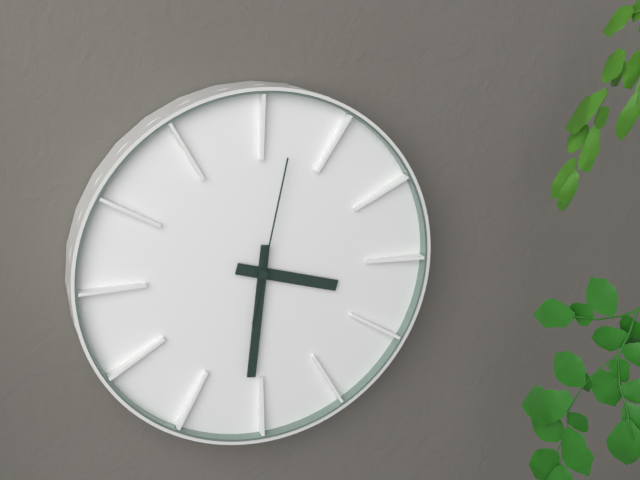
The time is 3:31:02
